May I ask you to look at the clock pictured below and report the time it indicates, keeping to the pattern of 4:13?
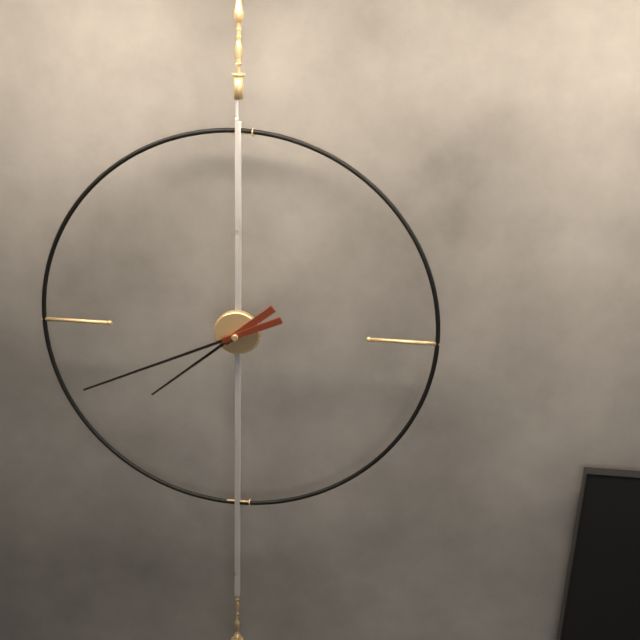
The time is 7:41
